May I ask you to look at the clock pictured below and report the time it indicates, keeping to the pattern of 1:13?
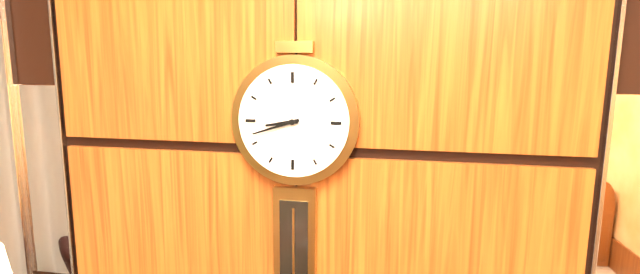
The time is 8:42
